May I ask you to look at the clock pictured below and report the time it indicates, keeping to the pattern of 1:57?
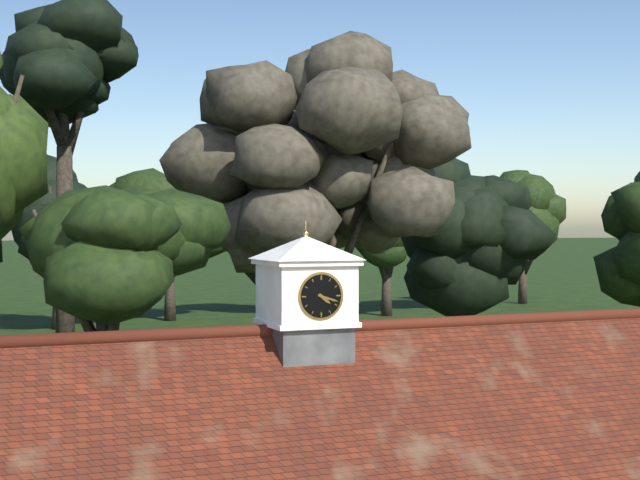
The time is 4:18
